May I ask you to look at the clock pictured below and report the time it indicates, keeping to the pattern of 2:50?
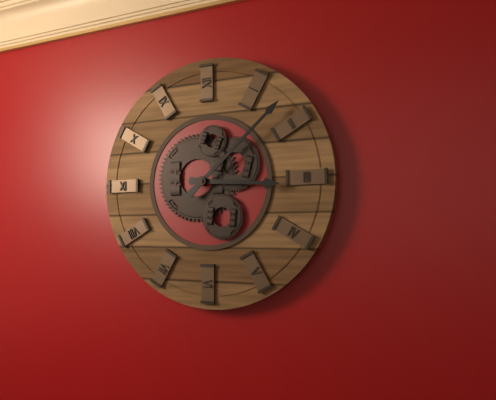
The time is 3:08
